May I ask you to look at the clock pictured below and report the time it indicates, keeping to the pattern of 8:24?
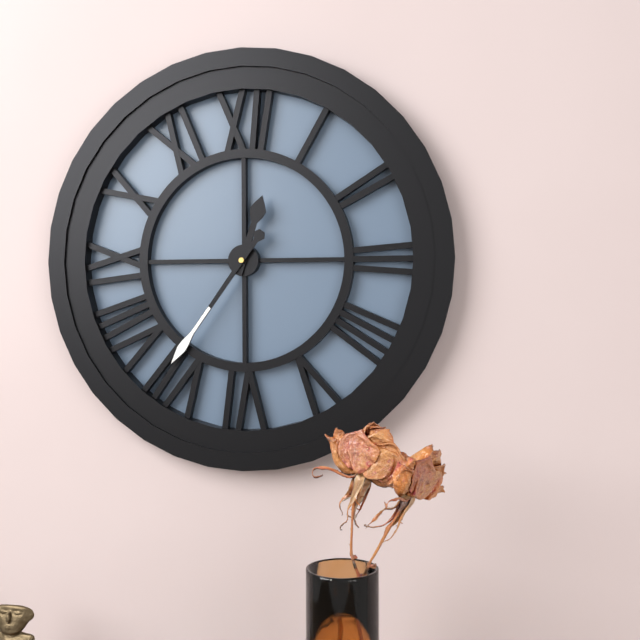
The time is 12:36
